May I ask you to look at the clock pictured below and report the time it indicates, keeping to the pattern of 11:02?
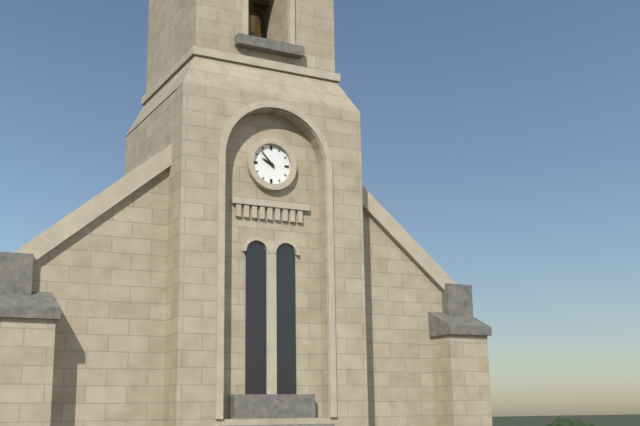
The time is 9:53
